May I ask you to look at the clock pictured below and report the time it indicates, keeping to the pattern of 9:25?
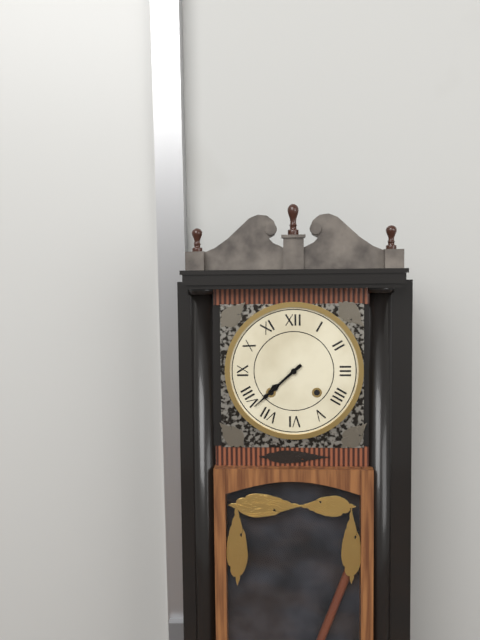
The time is 7:38
